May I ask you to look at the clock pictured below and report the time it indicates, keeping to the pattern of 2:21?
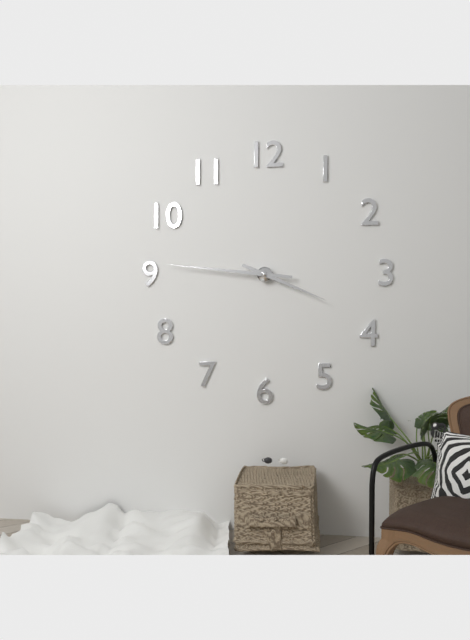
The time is 3:46
